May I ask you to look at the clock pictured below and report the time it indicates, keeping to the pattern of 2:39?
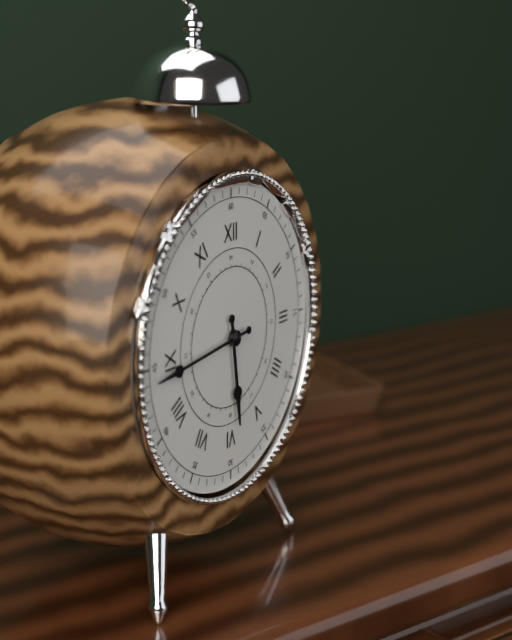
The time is 5:44
